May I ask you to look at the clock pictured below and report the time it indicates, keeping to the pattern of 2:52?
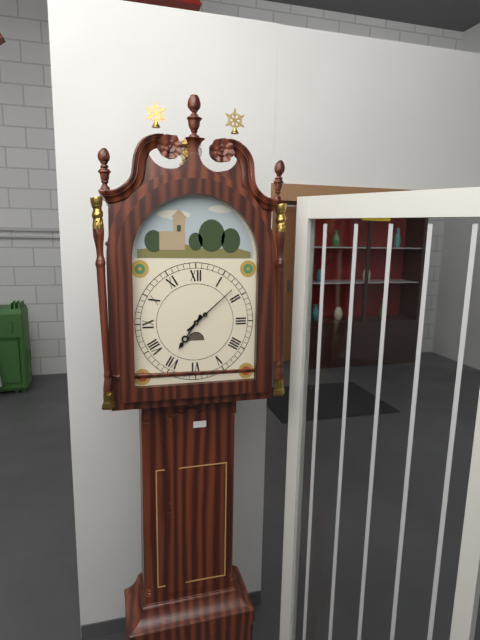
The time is 7:08
